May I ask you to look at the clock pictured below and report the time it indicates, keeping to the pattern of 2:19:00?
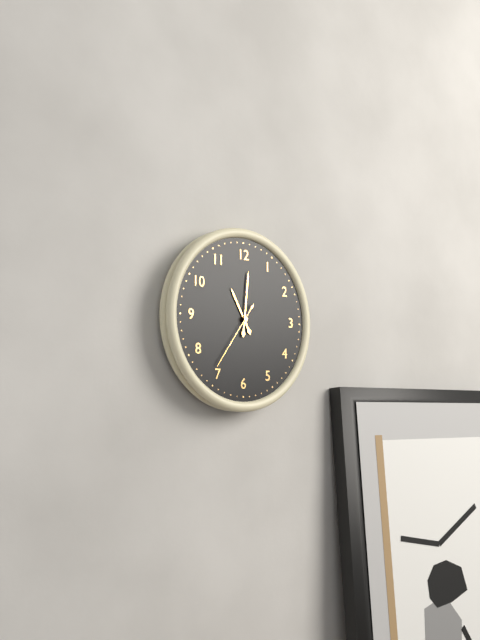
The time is 11:01:36
